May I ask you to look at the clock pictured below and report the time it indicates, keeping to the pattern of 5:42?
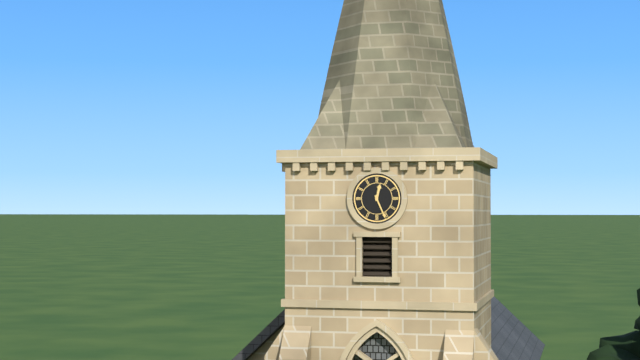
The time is 12:26
